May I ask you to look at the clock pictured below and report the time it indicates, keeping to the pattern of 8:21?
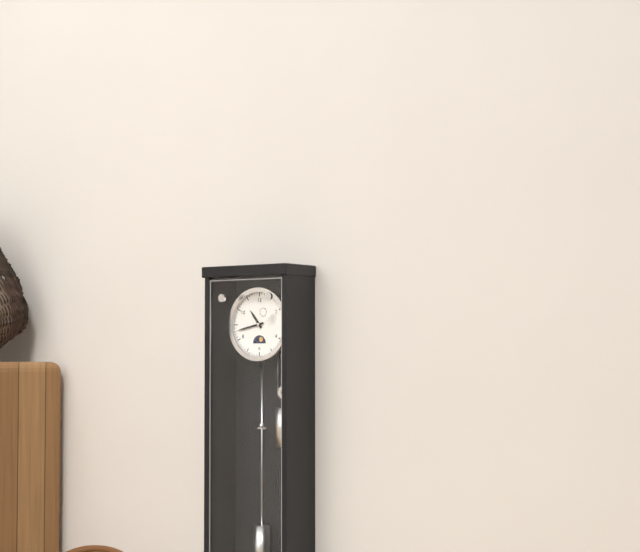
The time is 10:43
